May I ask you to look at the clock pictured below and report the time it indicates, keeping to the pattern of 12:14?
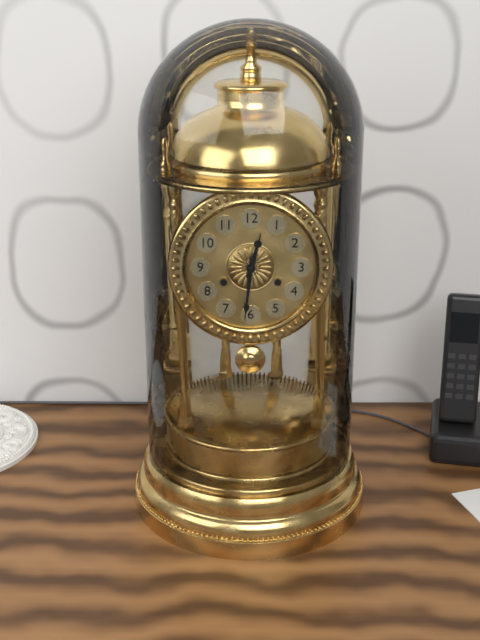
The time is 12:31
